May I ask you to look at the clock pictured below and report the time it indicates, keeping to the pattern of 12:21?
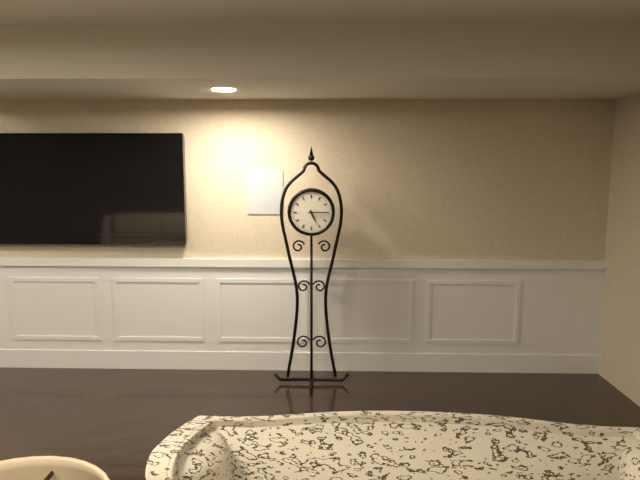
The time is 5:15
